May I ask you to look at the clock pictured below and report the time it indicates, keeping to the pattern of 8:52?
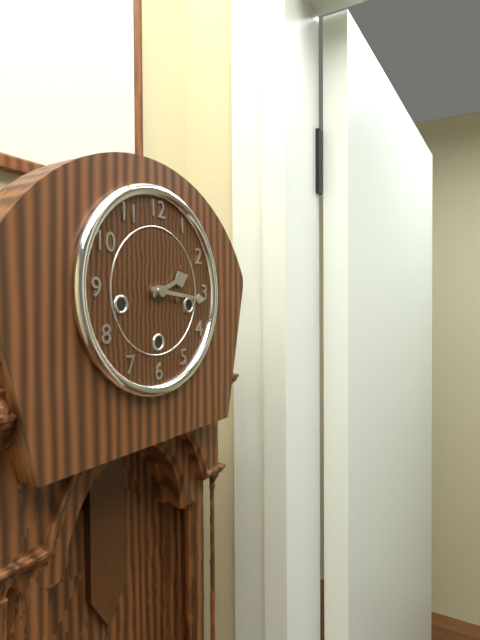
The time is 2:16
